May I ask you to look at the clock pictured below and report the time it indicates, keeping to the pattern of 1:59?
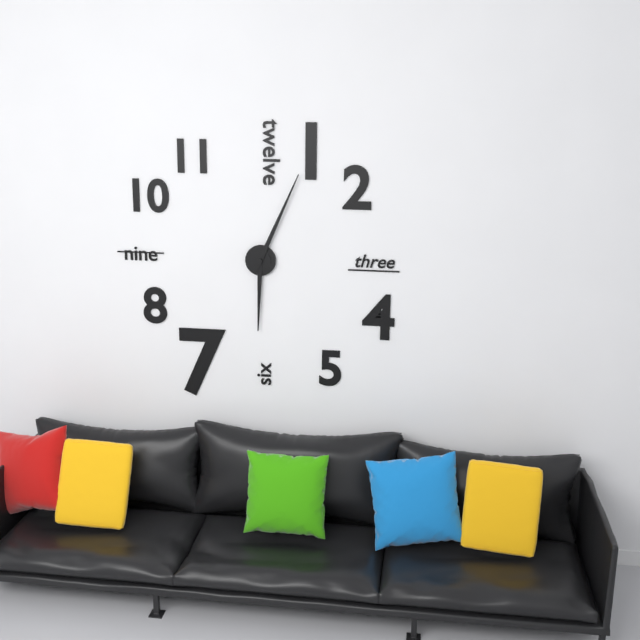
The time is 6:04
